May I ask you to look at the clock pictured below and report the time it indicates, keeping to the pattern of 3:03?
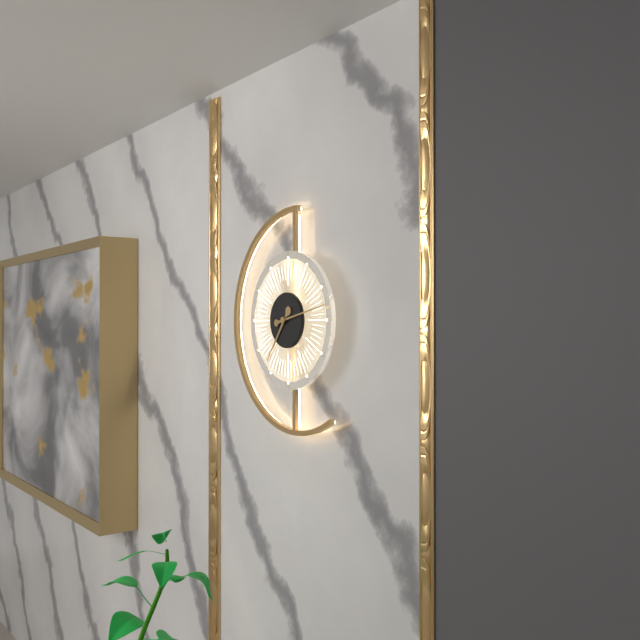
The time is 7:13
